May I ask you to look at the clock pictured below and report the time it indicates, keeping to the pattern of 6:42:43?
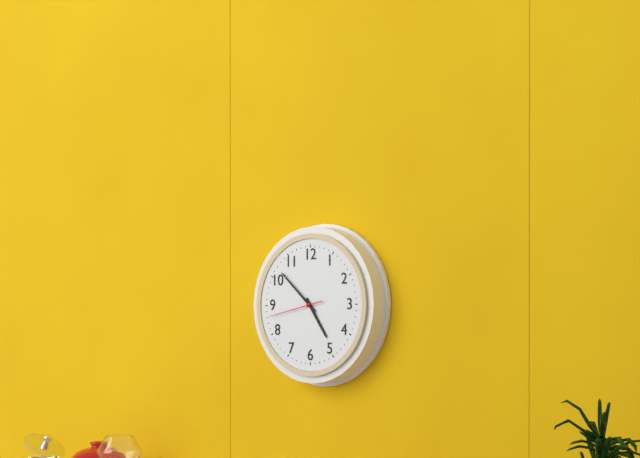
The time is 4:52:43
